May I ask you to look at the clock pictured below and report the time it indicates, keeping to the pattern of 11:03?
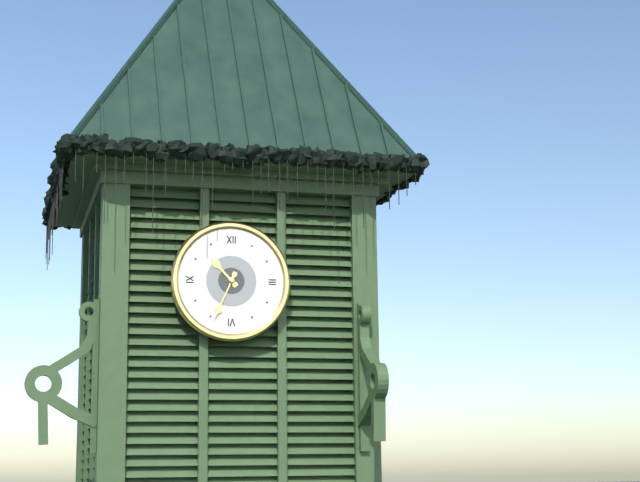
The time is 10:34
